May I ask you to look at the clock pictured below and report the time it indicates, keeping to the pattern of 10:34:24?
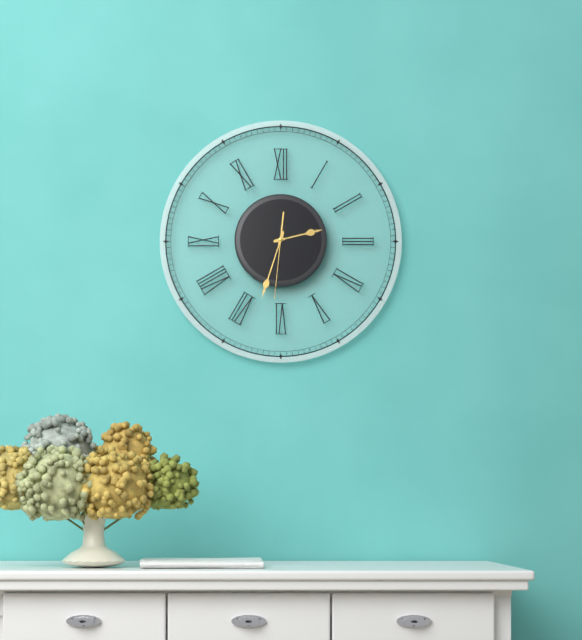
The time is 2:33:31
